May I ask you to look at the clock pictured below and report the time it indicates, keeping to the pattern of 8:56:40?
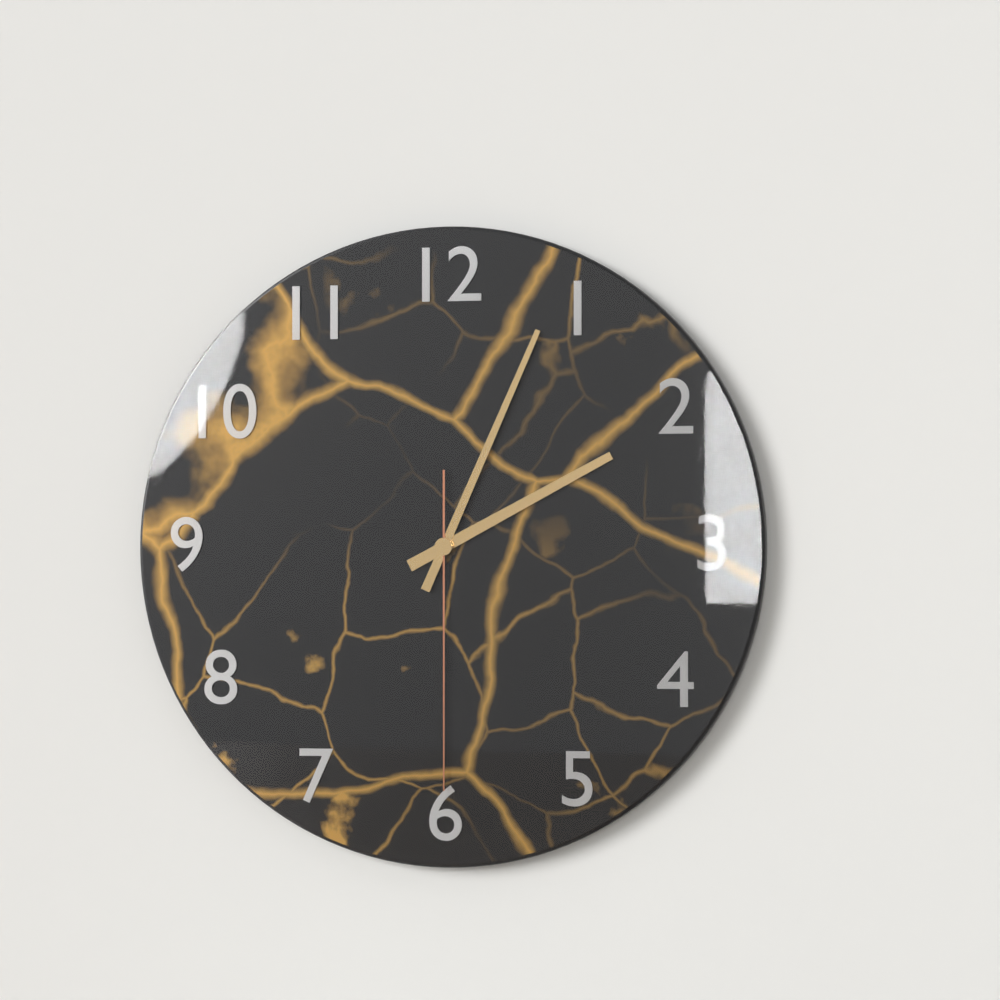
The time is 2:04:30
